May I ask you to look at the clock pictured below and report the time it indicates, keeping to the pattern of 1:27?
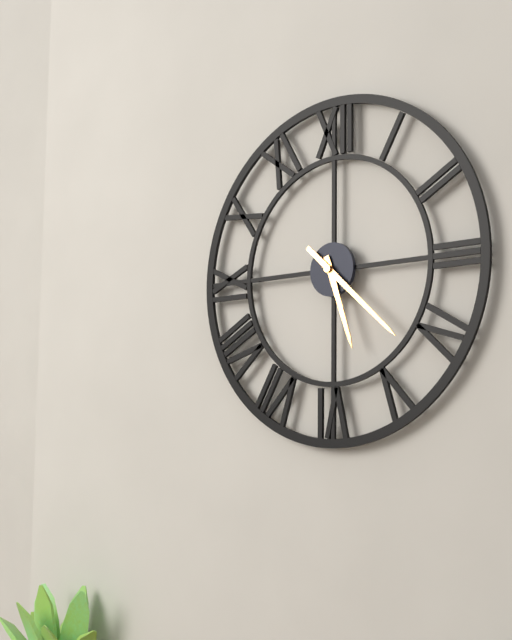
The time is 5:22
